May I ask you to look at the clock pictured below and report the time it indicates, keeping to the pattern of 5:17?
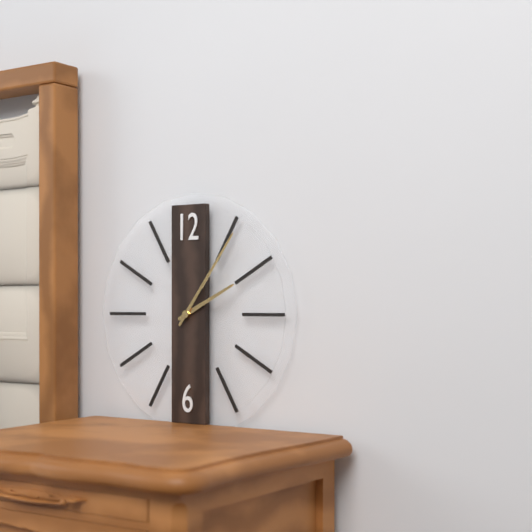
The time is 2:06
